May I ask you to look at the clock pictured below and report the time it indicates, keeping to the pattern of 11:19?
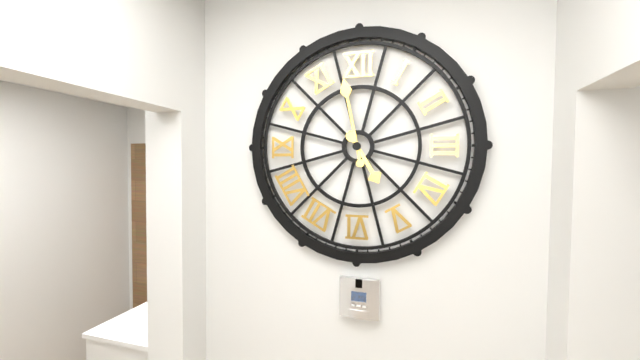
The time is 4:58
